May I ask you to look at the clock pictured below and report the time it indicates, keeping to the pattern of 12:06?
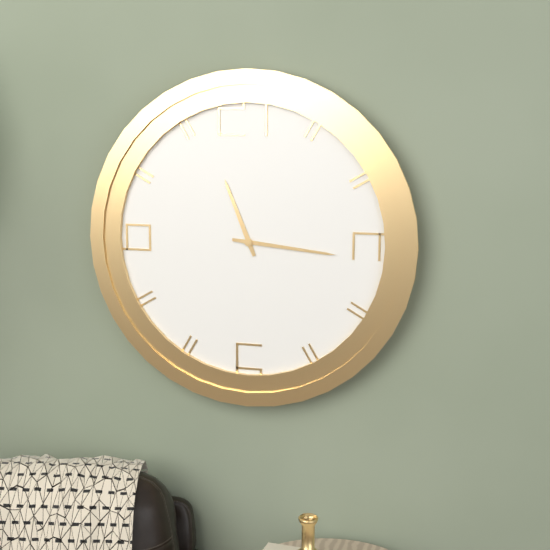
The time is 11:16
